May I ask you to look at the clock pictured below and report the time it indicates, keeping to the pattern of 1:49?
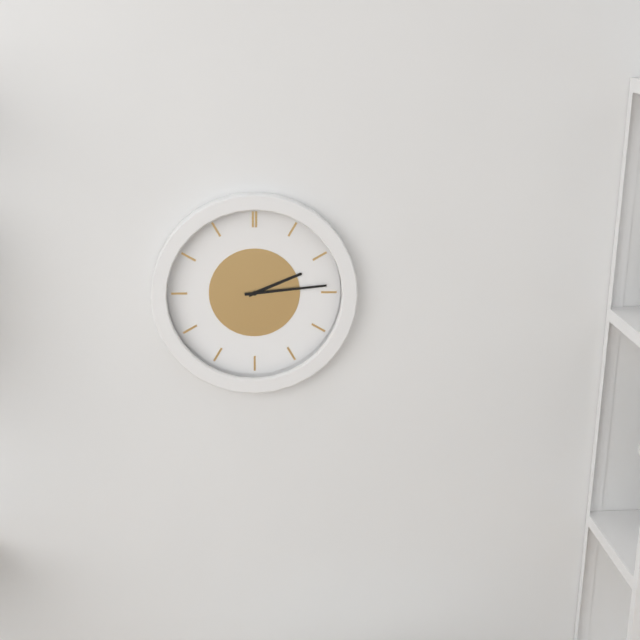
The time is 2:14
